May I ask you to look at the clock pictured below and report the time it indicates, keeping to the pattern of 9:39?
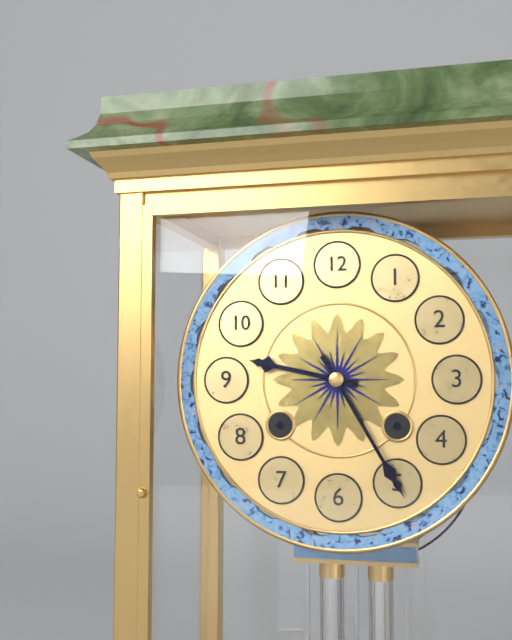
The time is 9:25
